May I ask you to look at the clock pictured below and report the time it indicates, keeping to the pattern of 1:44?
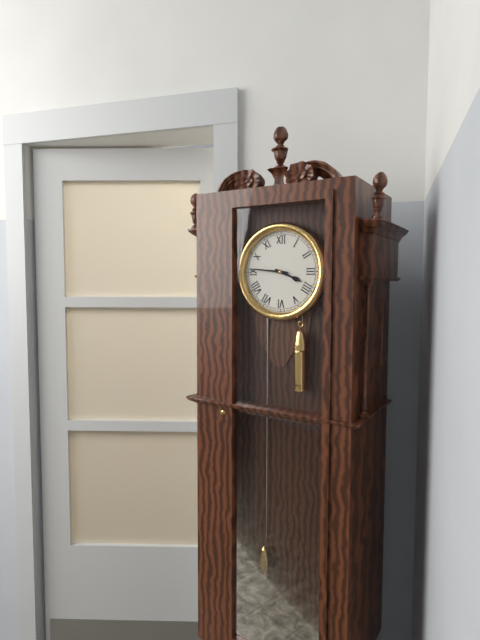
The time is 3:46
